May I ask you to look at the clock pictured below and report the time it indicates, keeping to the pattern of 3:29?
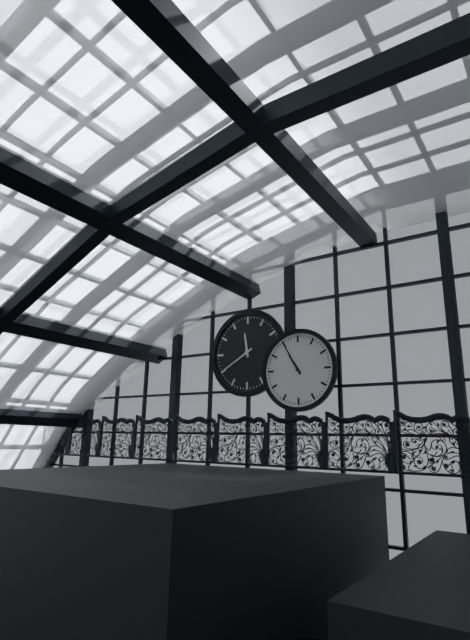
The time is 10:55
